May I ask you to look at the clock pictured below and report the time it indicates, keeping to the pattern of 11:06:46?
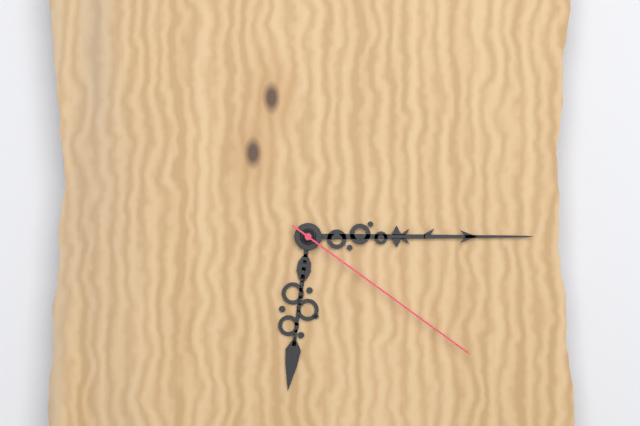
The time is 6:15:21
